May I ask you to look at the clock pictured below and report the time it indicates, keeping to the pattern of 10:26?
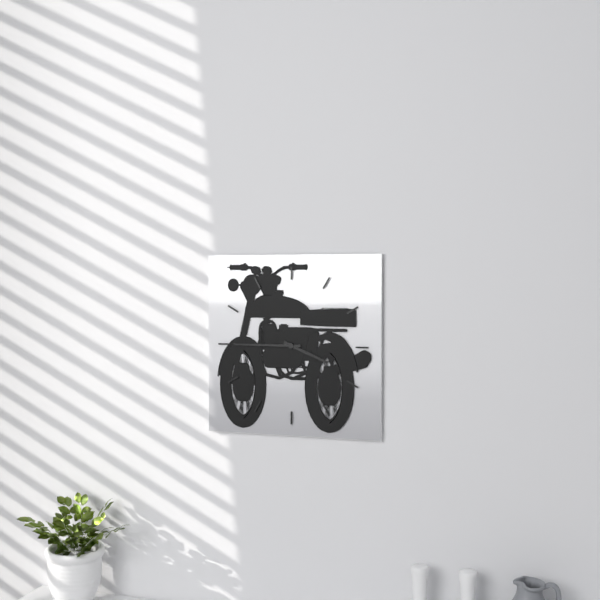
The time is 3:45
